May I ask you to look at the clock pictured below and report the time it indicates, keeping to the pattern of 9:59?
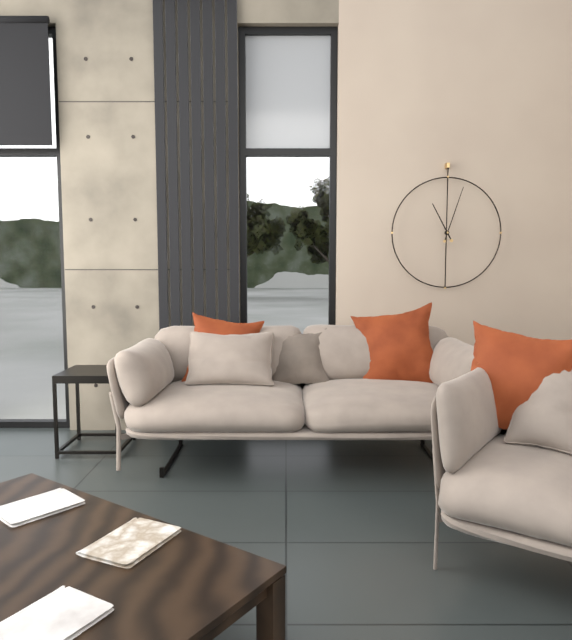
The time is 11:03
